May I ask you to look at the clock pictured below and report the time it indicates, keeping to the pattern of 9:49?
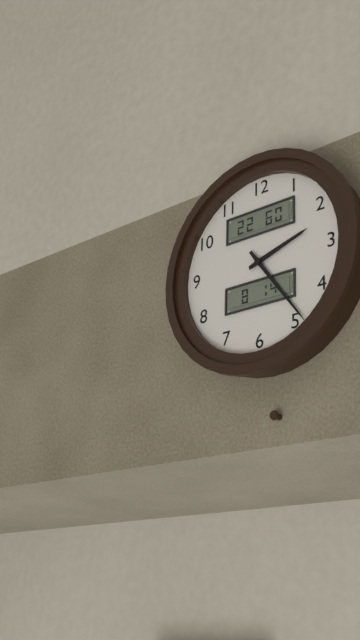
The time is 2:24
